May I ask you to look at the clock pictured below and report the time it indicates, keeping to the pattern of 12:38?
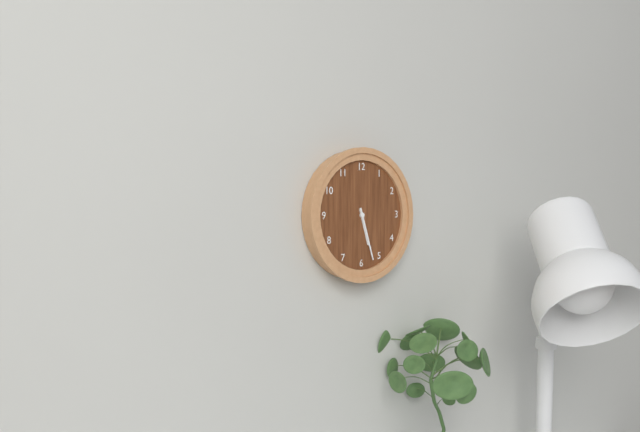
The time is 5:27
